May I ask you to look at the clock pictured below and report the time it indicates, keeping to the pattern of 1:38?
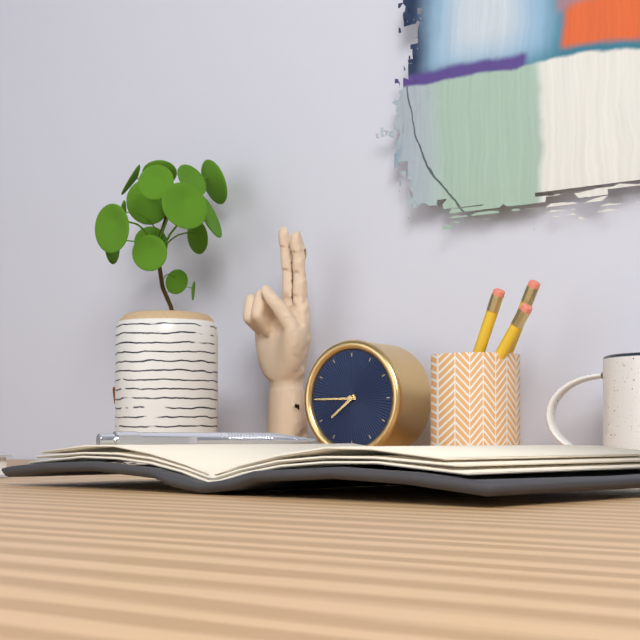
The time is 7:45
